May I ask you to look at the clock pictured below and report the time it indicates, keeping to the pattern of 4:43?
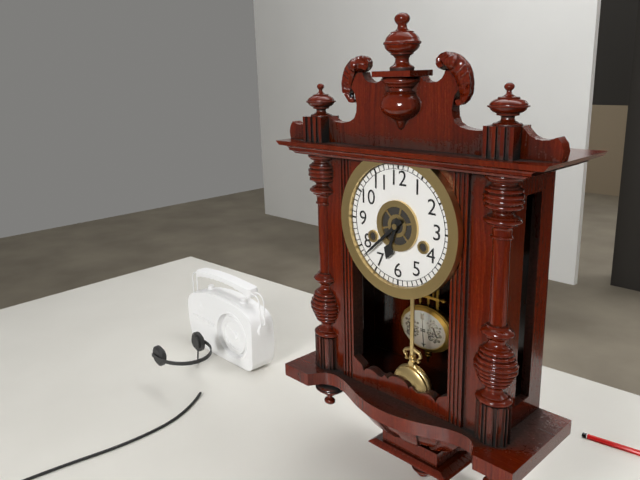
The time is 6:38
